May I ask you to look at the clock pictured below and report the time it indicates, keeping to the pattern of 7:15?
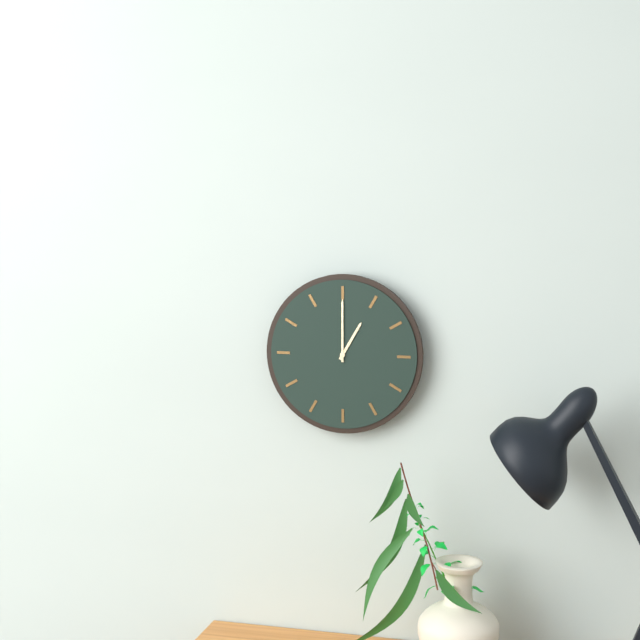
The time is 1:00
